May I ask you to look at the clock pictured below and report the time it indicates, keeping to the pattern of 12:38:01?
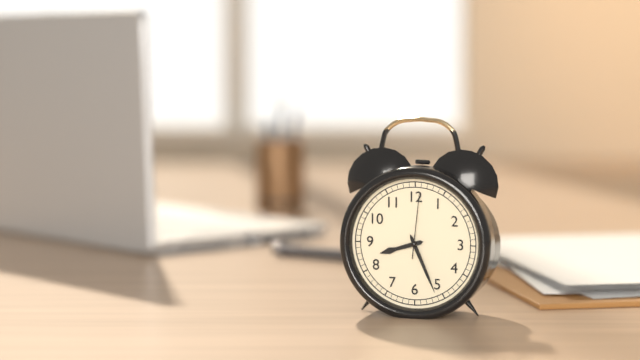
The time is 8:26:01
